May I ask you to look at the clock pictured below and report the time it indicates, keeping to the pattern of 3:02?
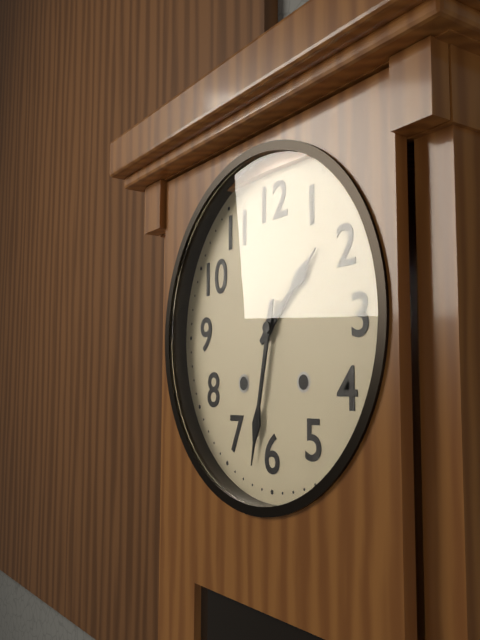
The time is 1:32
